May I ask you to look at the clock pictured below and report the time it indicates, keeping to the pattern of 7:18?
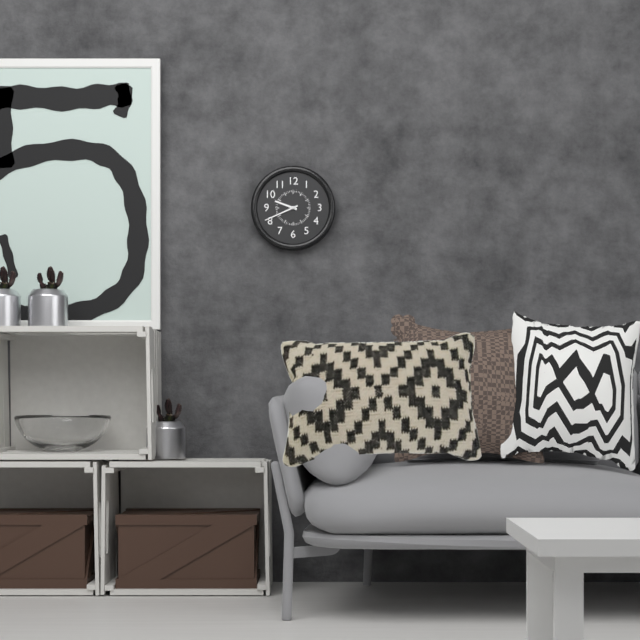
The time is 9:41
